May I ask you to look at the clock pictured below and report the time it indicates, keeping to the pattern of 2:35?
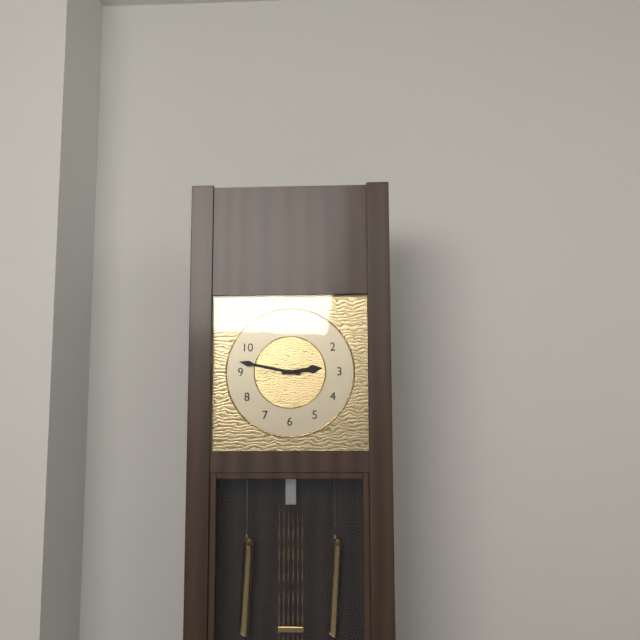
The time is 2:47
